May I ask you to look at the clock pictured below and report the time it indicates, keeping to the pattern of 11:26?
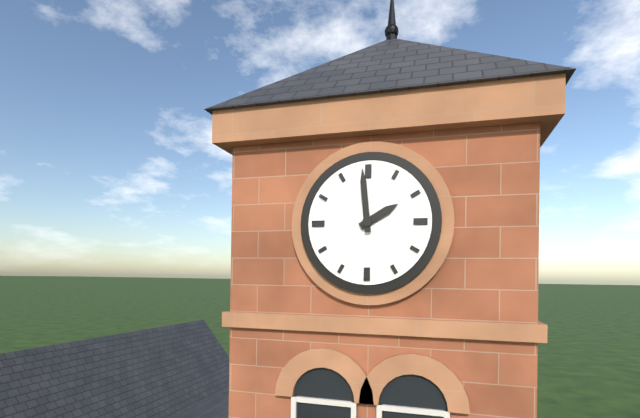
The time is 1:59
